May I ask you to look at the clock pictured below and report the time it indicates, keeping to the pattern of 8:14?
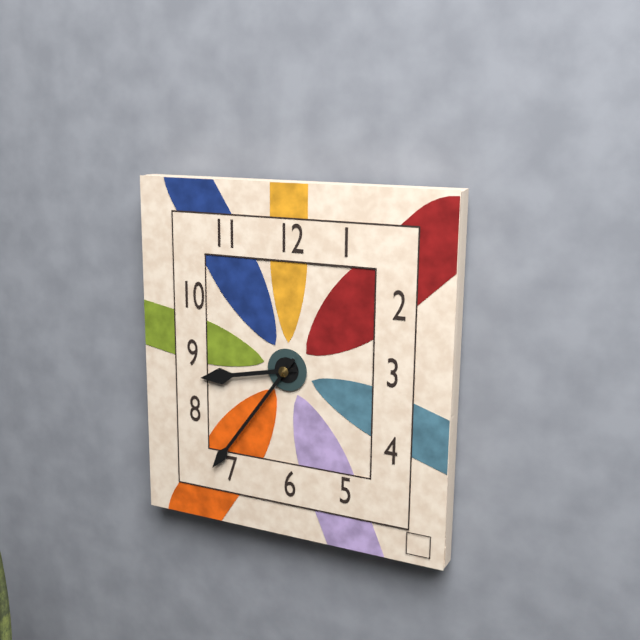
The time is 8:36
